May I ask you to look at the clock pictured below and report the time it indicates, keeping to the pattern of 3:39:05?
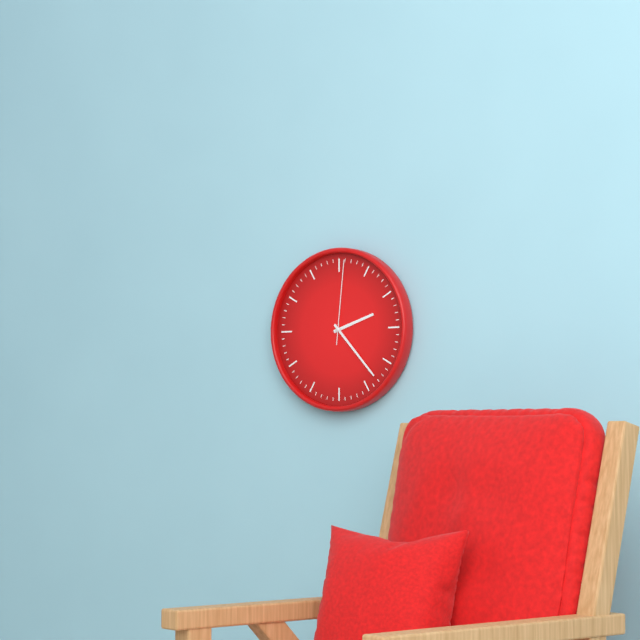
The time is 2:23:01
